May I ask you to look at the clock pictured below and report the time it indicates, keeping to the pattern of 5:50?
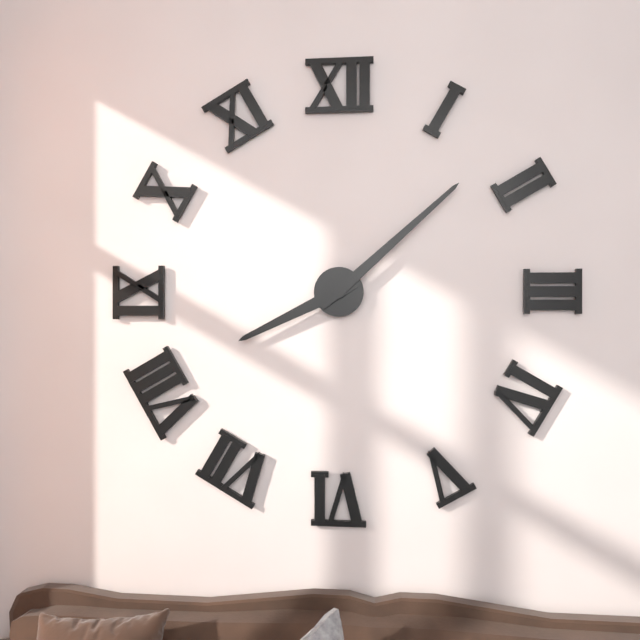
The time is 8:08
